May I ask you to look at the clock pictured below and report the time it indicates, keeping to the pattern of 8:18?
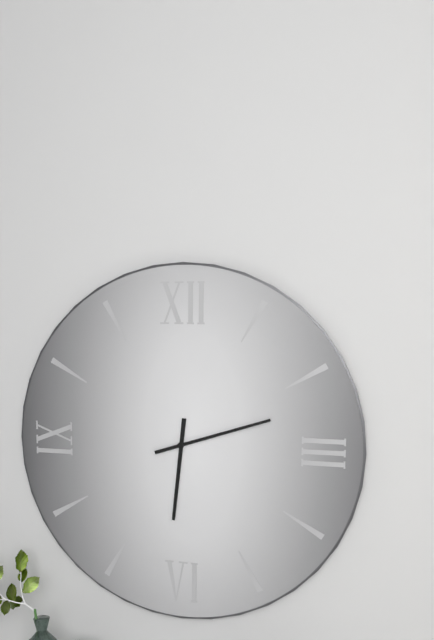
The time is 6:12
